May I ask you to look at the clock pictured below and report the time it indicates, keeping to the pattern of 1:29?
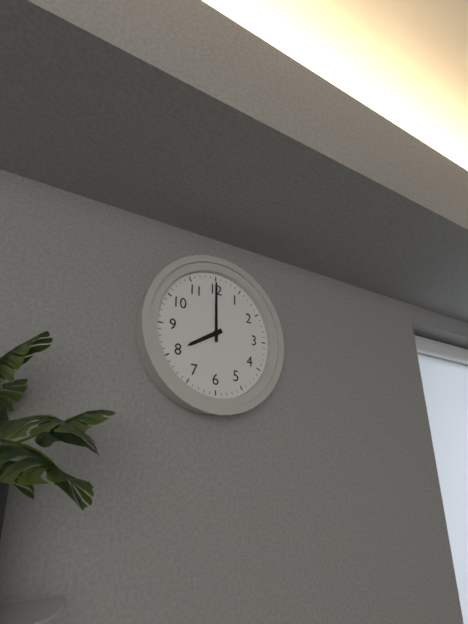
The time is 8:00
